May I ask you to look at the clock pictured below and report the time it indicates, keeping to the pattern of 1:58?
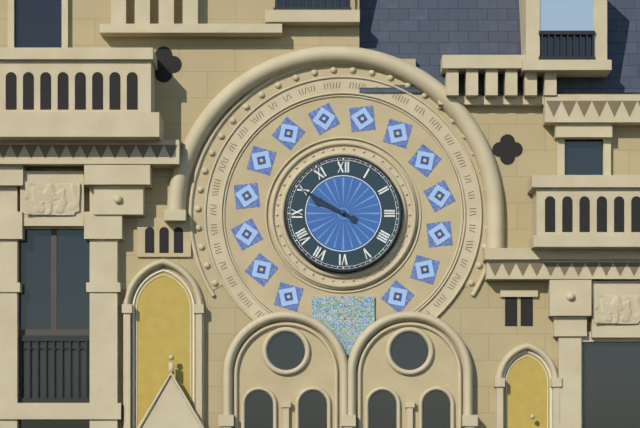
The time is 9:50
